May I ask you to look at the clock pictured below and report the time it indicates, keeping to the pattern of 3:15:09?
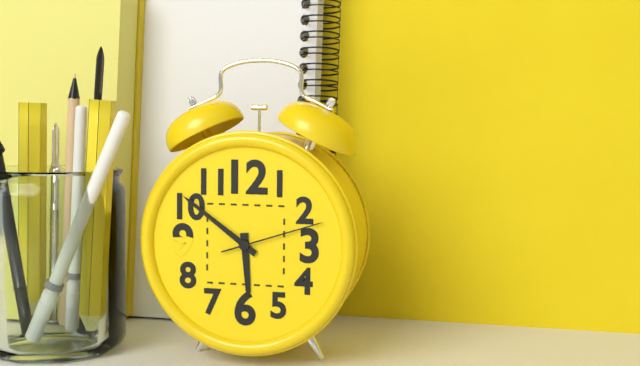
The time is 5:51:12
